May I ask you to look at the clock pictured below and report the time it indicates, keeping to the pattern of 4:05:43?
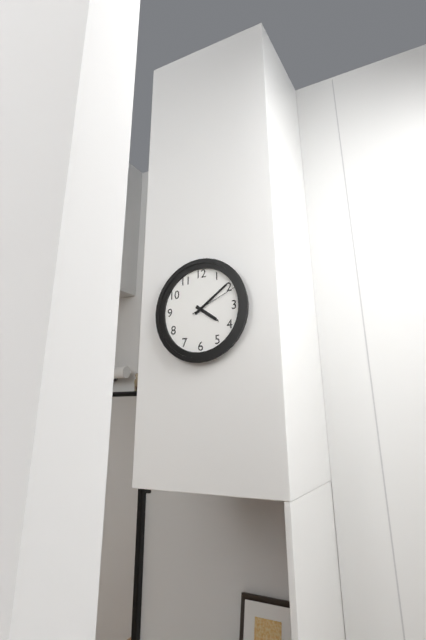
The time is 4:09:11
